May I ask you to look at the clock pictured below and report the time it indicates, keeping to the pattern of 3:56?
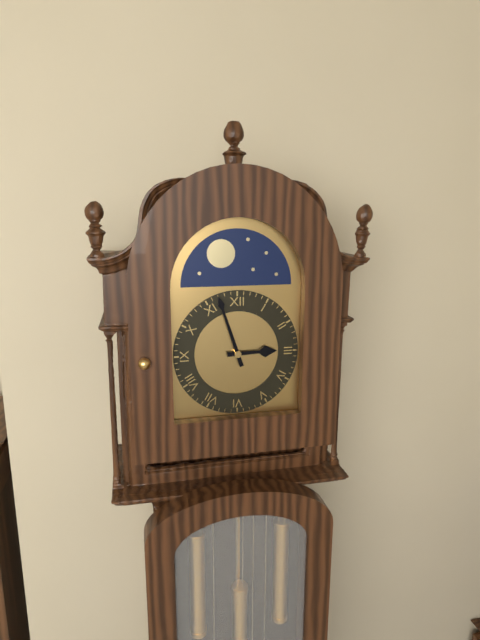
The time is 2:57
